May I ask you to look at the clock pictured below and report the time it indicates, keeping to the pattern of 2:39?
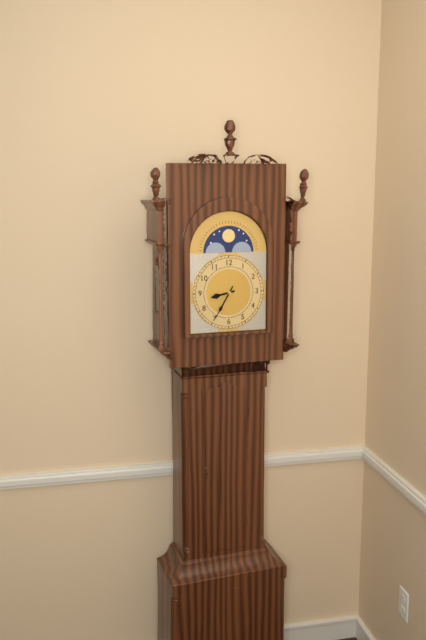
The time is 8:35
